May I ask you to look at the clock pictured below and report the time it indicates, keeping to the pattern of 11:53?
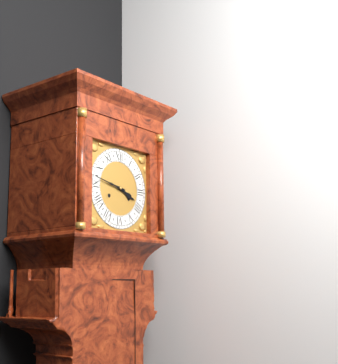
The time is 3:47
